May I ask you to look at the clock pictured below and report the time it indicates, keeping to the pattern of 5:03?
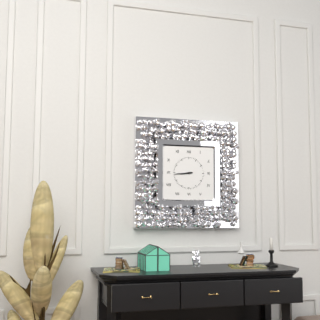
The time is 8:44
